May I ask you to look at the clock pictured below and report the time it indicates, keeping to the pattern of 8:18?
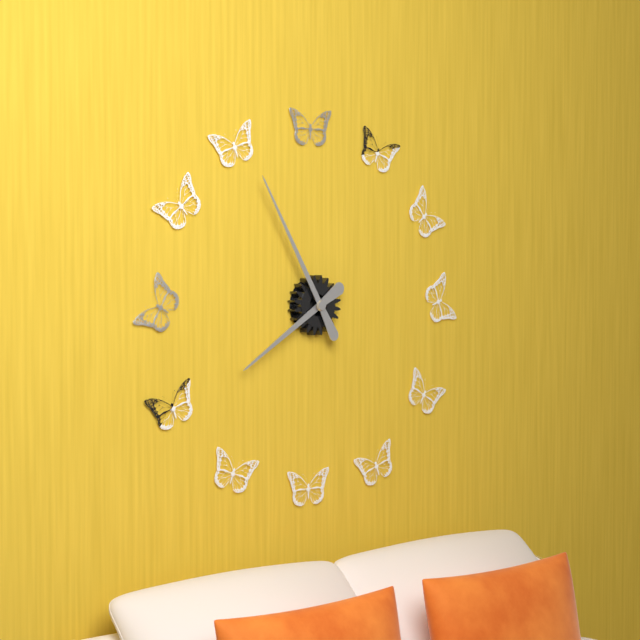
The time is 7:55
